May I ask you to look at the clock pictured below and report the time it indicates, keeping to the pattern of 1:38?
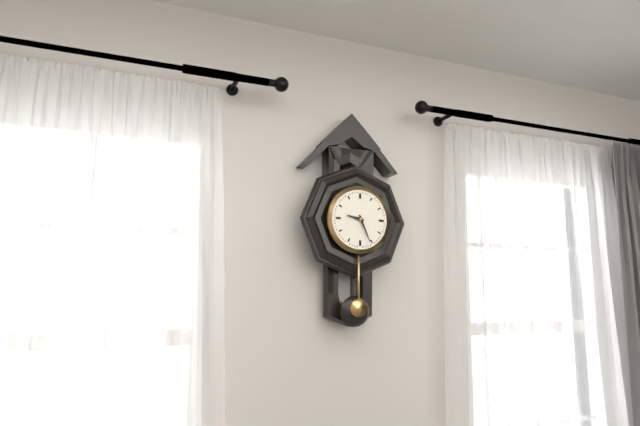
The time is 9:26
